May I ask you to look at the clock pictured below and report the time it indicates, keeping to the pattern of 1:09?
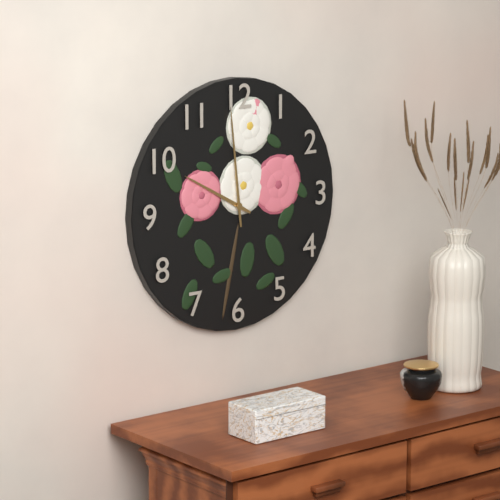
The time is 9:59
